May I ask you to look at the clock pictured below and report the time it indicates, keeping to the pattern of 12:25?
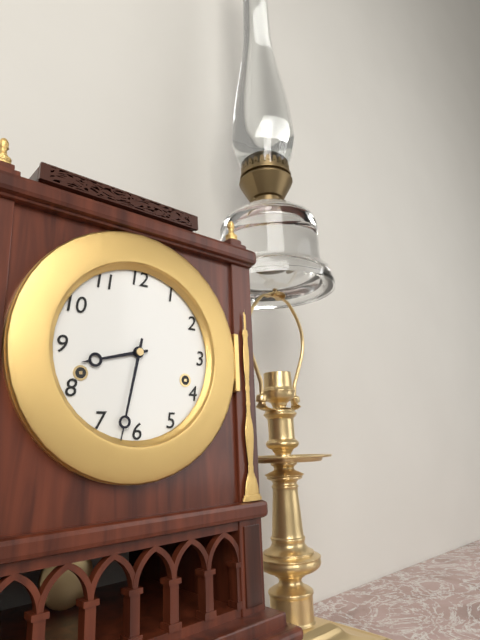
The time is 8:32
